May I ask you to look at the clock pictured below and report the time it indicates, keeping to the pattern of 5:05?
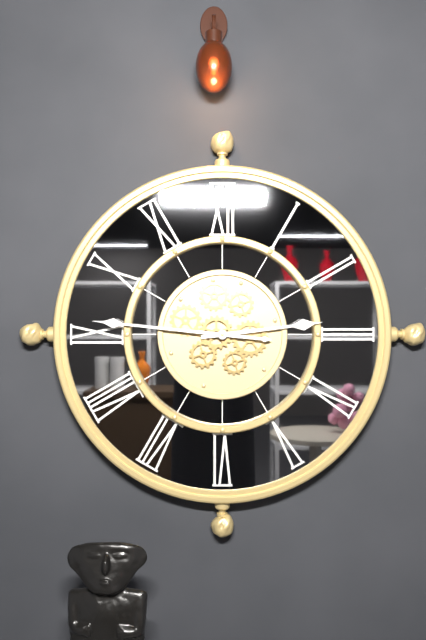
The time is 2:46
